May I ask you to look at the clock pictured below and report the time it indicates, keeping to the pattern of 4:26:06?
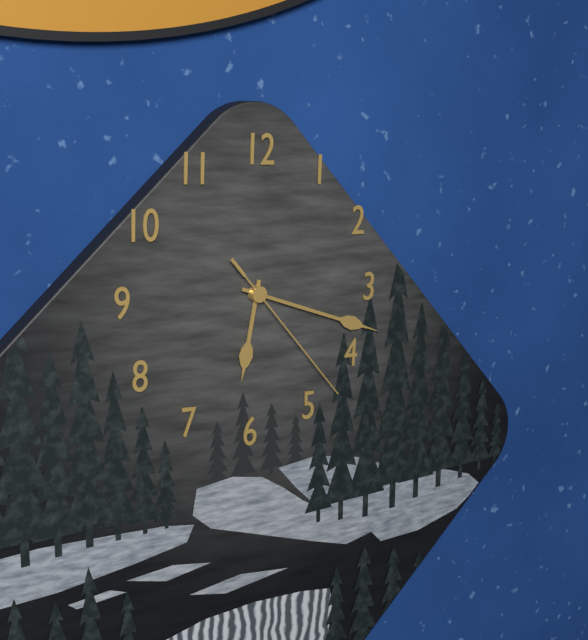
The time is 6:18:23
